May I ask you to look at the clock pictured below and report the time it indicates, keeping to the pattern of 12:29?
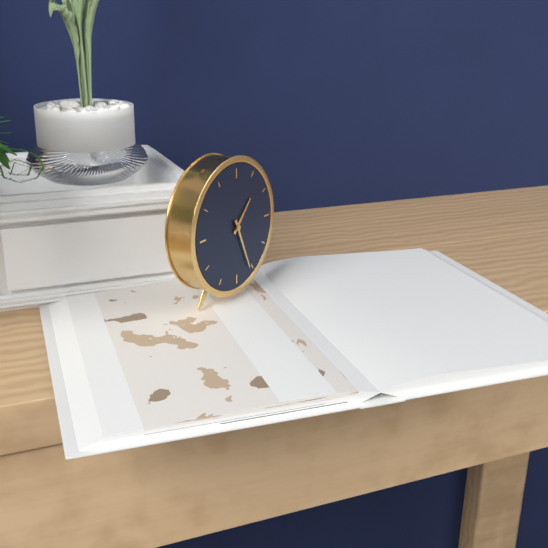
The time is 1:26
